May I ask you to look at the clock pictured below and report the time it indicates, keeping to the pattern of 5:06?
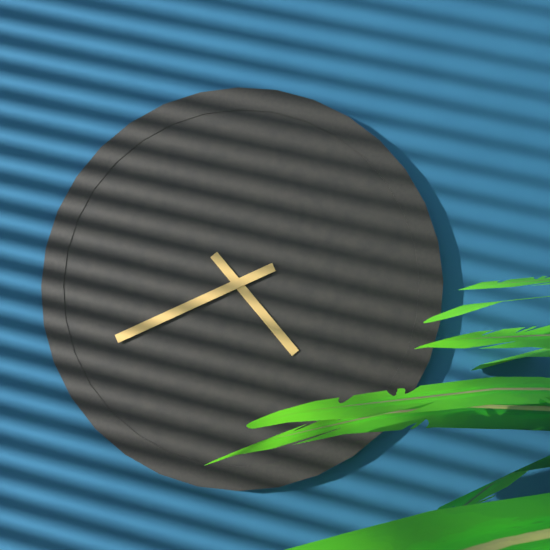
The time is 4:41
